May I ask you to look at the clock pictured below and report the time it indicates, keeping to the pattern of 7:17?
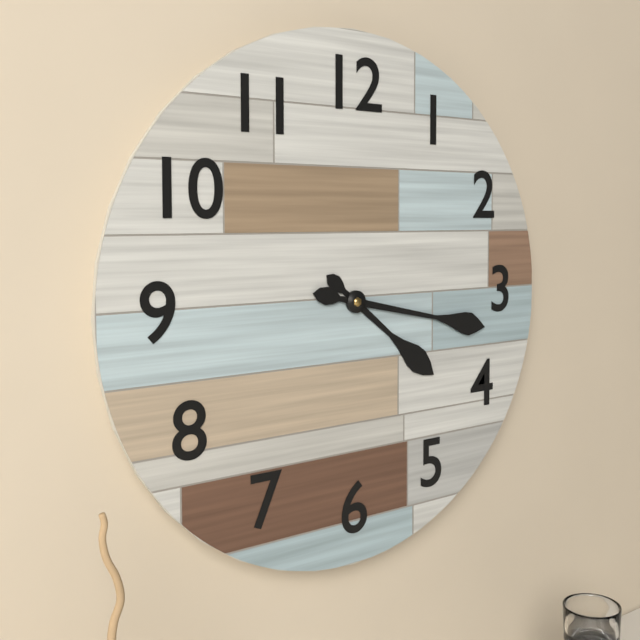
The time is 4:17
